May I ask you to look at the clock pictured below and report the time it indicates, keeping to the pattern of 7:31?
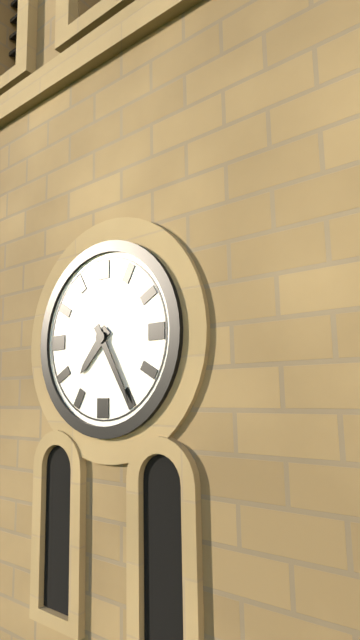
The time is 7:25
